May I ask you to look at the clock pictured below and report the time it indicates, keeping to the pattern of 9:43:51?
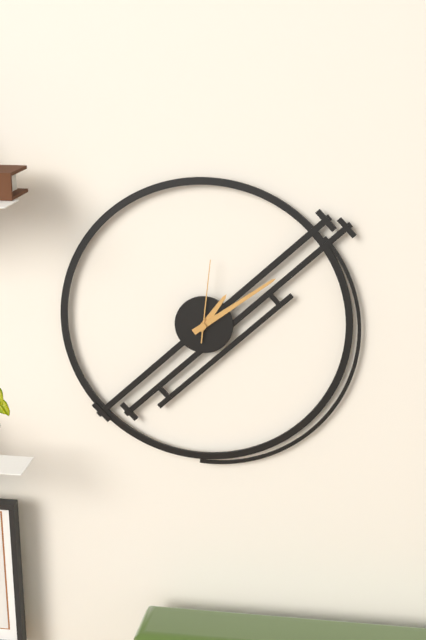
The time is 1:09:01
